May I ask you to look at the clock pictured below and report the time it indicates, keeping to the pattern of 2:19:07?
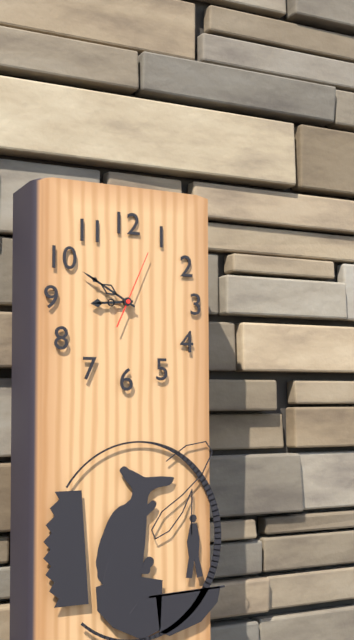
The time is 8:50:04
